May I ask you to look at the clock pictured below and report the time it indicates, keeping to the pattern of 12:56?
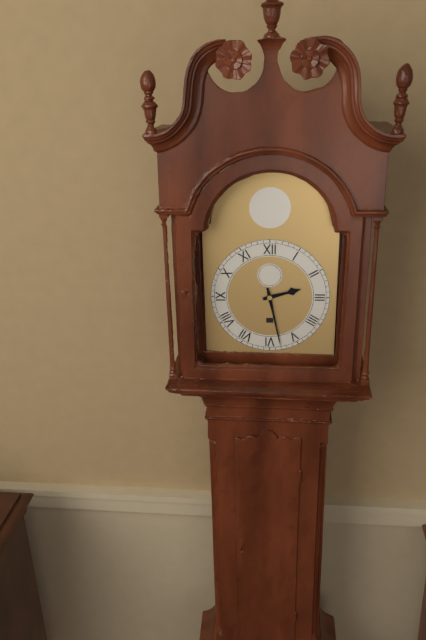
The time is 2:28
